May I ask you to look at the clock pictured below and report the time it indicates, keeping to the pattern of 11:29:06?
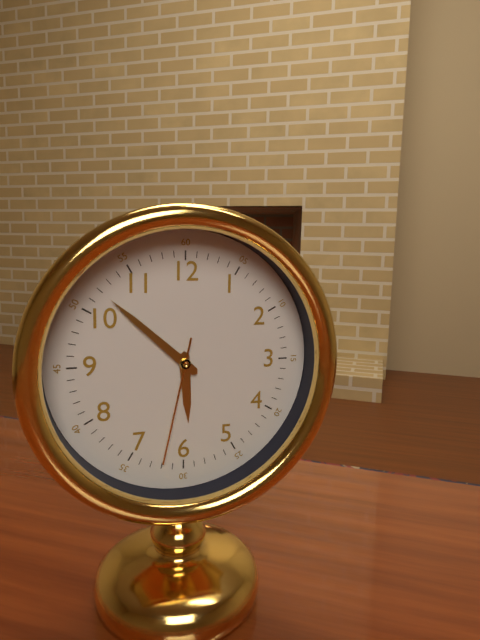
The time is 5:52:32
